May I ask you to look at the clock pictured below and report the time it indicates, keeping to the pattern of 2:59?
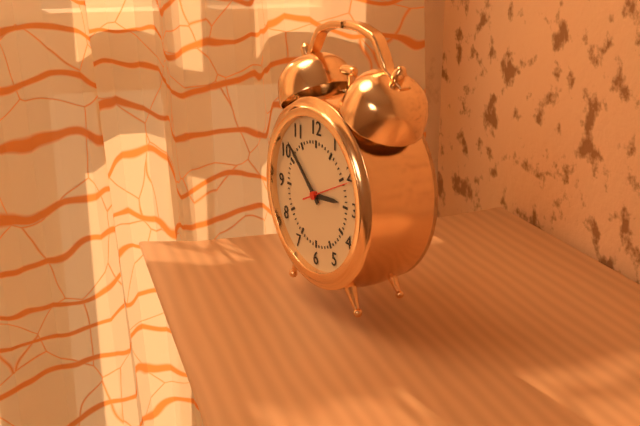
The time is 2:52
